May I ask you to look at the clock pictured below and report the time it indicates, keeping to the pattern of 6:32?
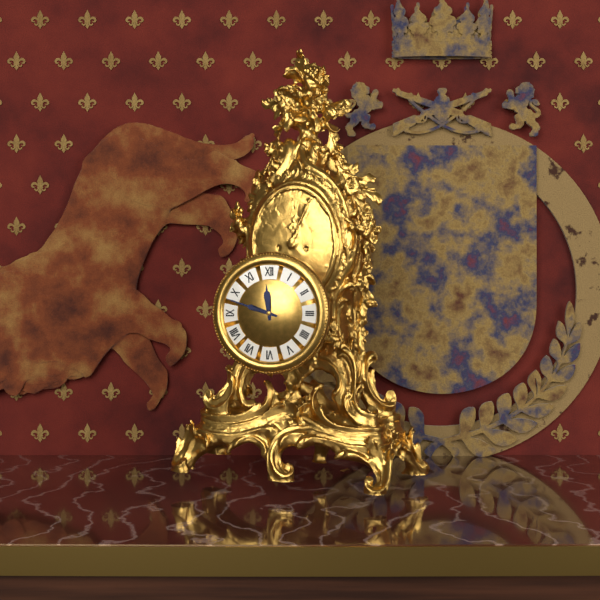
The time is 11:48
